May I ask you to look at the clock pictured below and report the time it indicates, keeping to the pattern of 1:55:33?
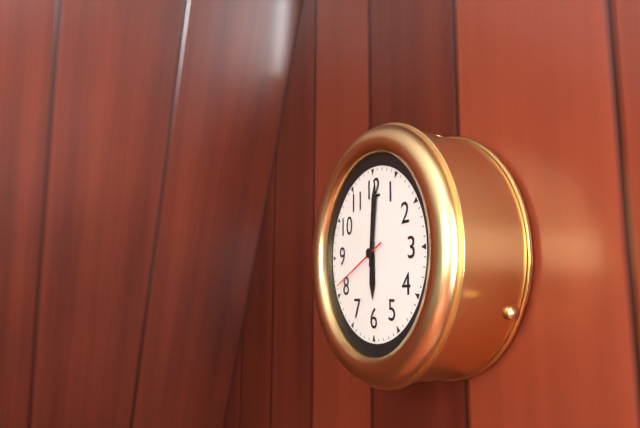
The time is 6:01:41
